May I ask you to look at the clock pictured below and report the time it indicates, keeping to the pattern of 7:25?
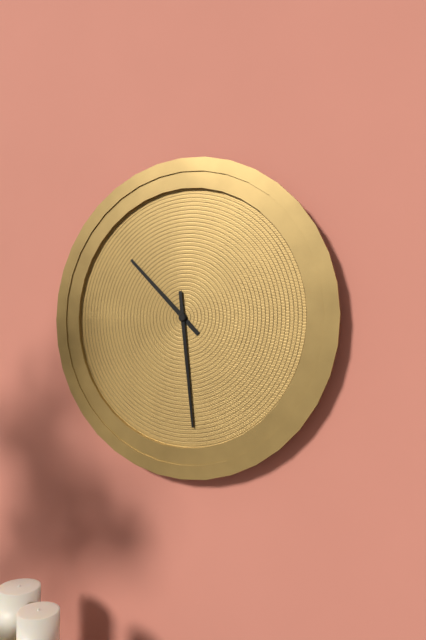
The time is 10:29
